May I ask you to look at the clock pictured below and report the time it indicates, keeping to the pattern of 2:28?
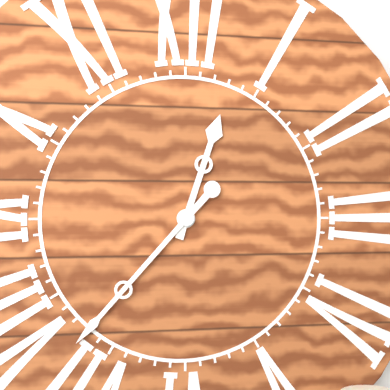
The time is 12:37
